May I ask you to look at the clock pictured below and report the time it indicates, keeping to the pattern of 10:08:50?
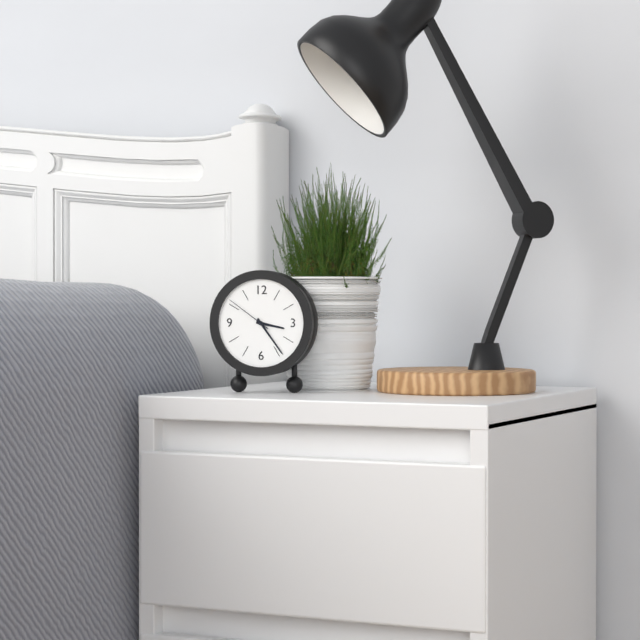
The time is 3:24:51
